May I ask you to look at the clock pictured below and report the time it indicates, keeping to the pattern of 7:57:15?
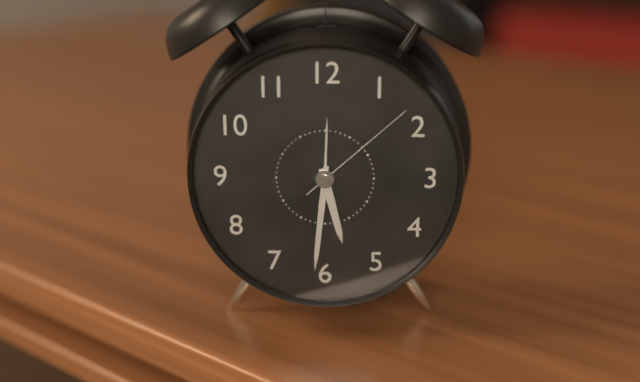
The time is 5:31:08
